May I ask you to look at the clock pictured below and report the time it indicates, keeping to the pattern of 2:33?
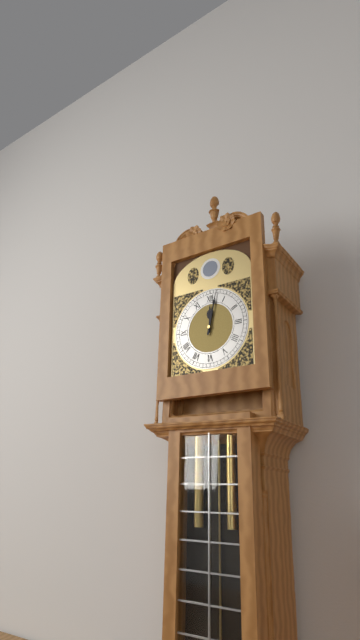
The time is 12:02
